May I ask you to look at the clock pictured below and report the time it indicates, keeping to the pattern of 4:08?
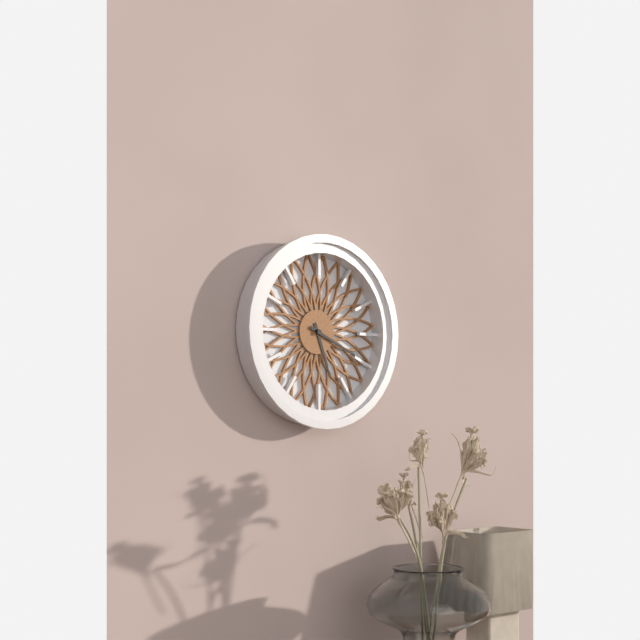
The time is 5:19
